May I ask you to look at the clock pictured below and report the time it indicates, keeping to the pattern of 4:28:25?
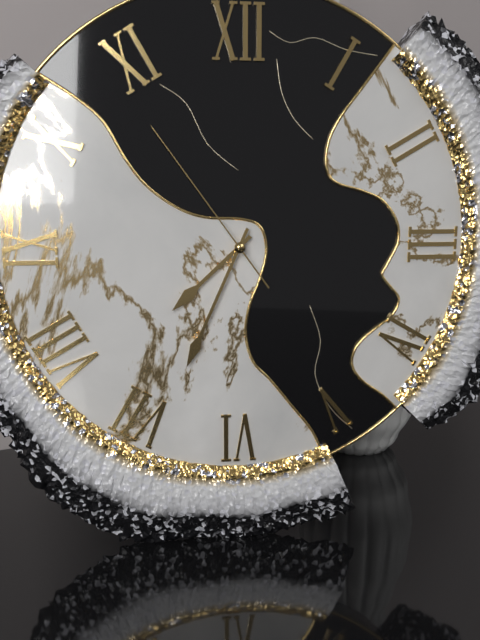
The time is 7:34:54
